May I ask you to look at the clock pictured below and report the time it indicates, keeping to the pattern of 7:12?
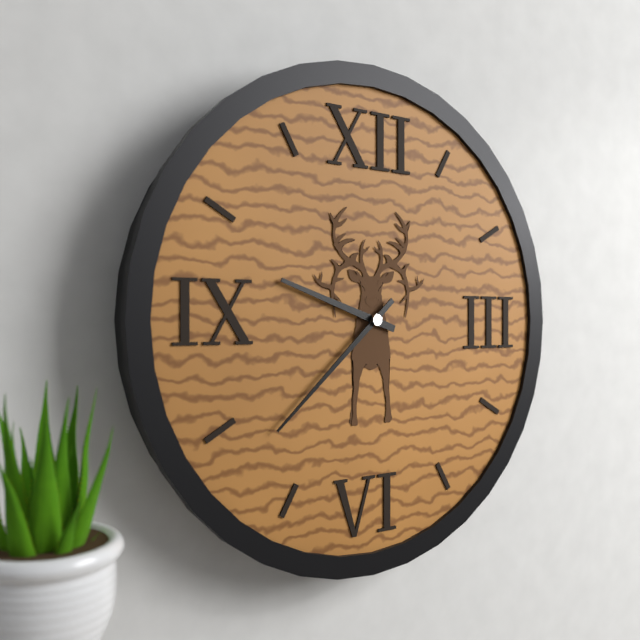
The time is 9:38
